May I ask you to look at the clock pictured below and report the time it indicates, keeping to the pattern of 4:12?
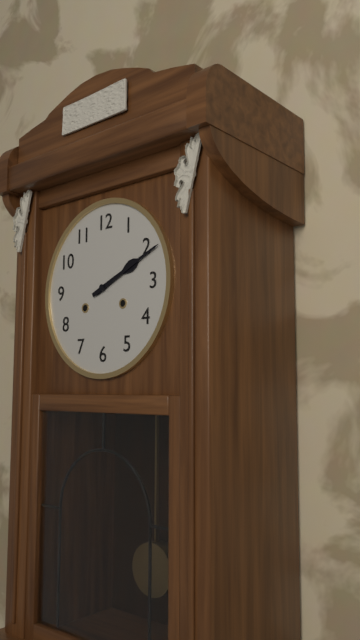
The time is 2:11
